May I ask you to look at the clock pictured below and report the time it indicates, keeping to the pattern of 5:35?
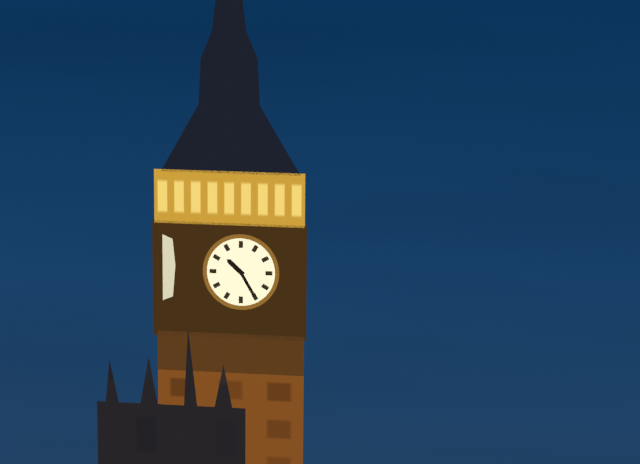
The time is 10:25
